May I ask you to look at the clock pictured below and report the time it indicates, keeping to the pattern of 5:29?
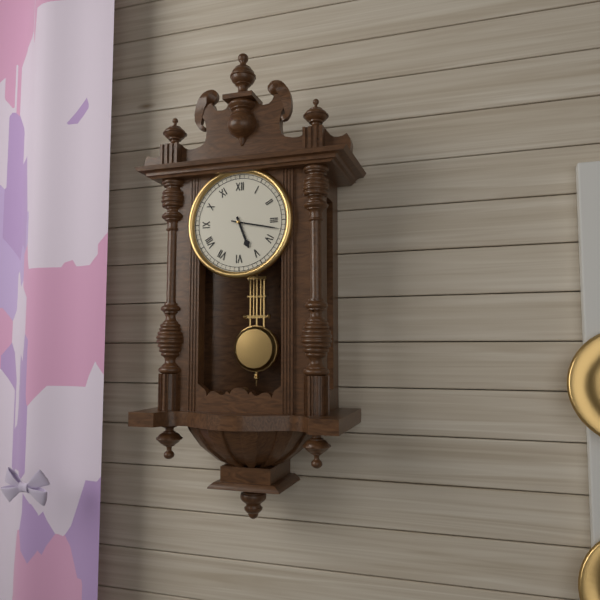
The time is 5:17
